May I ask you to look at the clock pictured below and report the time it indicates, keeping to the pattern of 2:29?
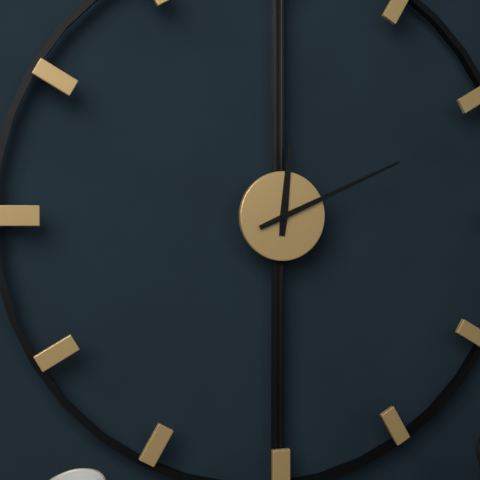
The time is 12:11
